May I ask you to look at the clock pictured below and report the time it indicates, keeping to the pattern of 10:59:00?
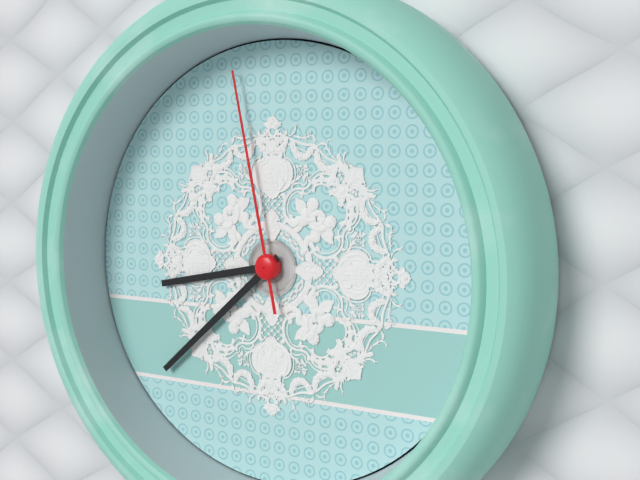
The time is 8:38:58
